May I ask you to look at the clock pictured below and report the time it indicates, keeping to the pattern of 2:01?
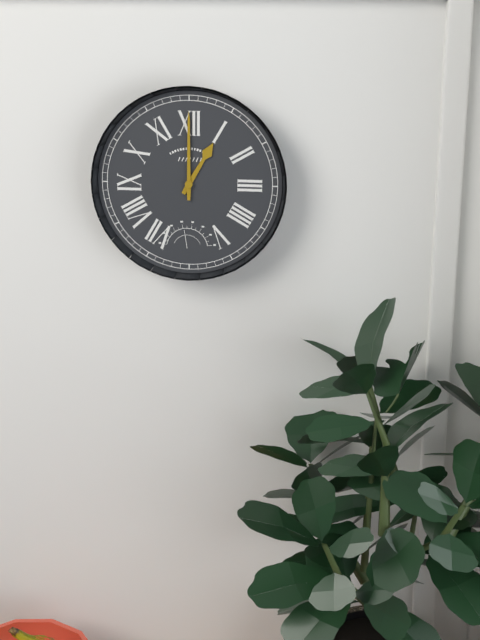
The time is 1:00
